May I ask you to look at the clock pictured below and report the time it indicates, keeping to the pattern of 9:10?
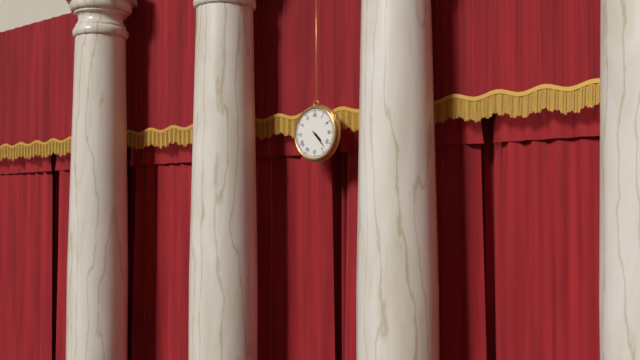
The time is 4:23
